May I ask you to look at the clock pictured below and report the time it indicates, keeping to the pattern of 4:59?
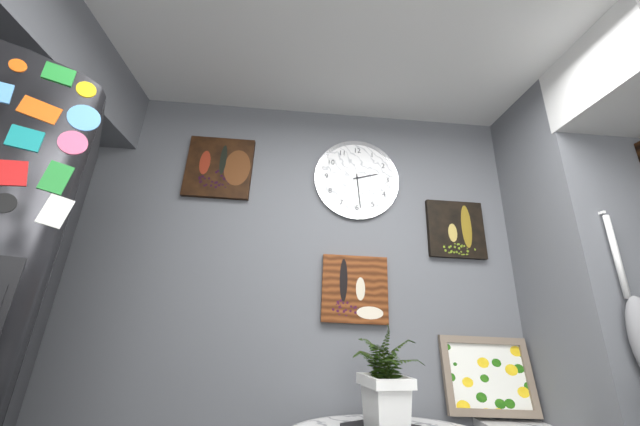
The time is 2:29
